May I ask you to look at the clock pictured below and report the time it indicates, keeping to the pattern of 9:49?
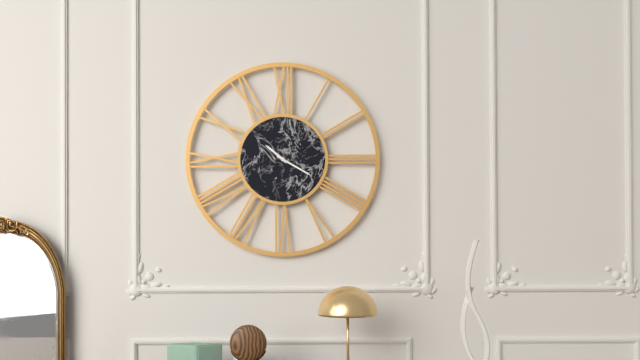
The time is 10:20
